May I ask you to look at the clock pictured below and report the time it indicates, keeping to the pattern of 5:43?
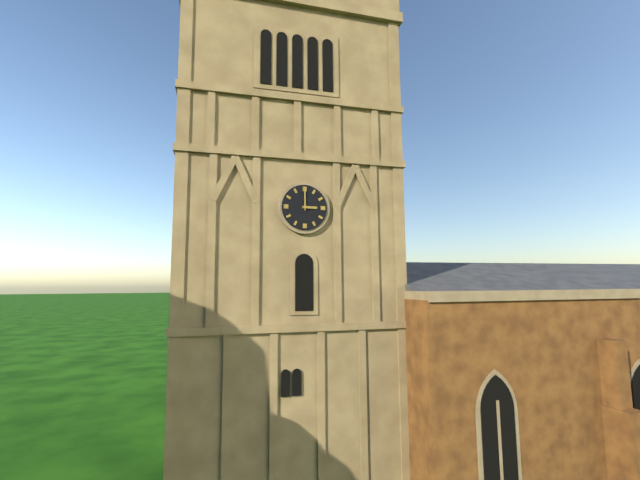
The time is 3:00
